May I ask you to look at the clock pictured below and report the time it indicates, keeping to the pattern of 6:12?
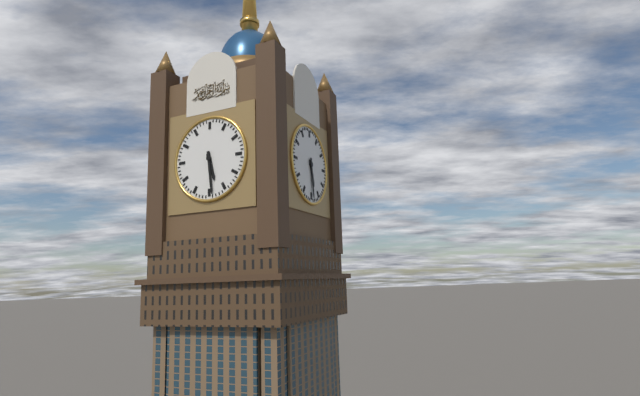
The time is 5:29
